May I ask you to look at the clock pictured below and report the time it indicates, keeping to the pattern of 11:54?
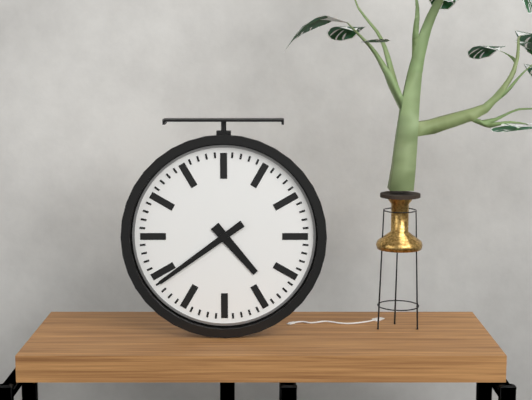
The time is 4:39
